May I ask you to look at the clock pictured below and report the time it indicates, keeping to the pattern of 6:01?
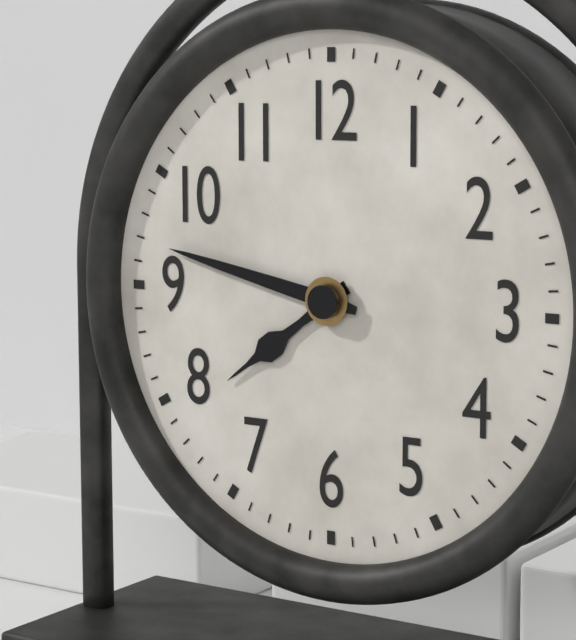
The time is 7:47
